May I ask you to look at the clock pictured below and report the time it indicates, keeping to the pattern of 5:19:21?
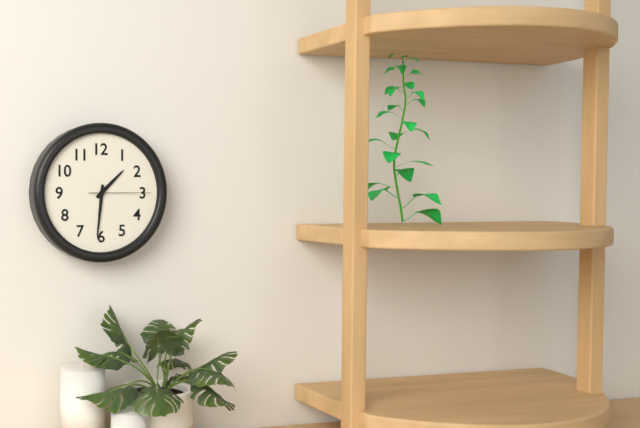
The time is 1:31:15
